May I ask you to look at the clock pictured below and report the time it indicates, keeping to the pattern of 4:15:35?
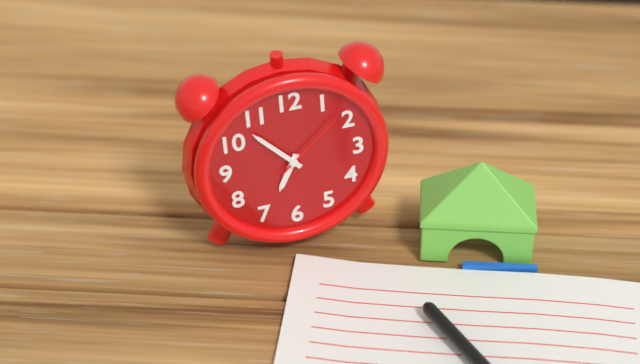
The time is 6:53:08
